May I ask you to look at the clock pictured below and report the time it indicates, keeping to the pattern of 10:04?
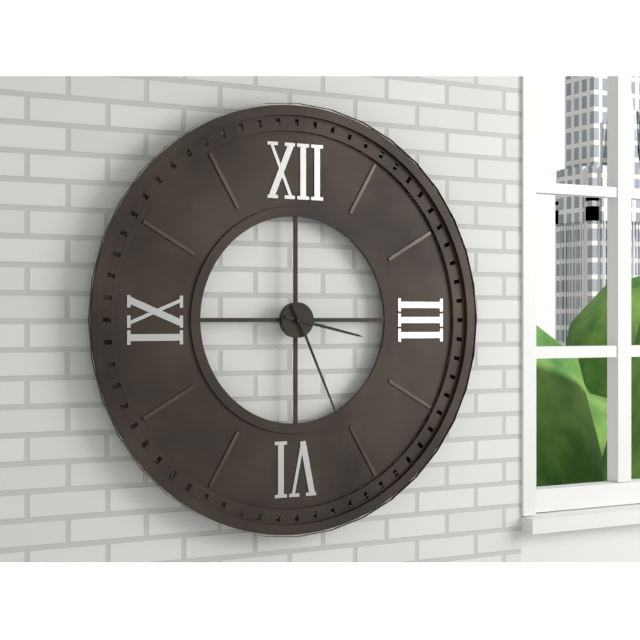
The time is 3:26
